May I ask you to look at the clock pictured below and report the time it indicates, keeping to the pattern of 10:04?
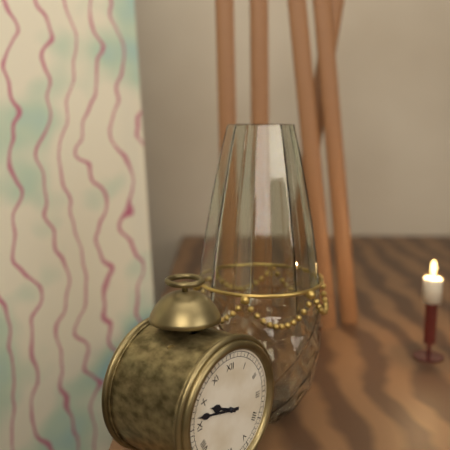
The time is 9:47
